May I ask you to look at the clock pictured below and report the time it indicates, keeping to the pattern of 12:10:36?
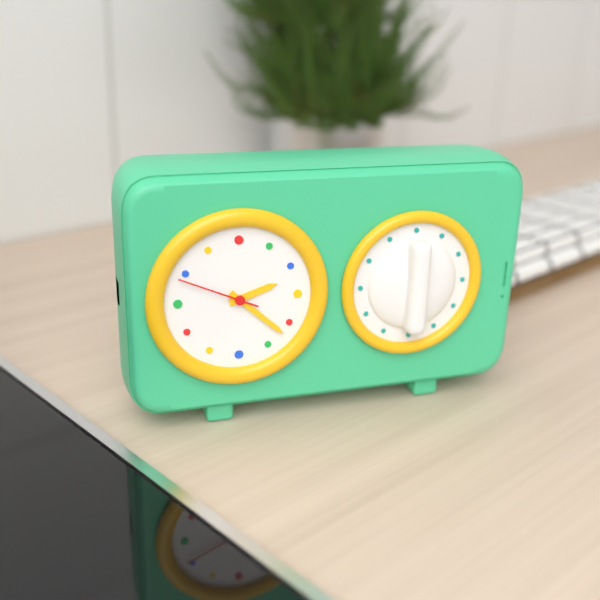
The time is 2:22:49
